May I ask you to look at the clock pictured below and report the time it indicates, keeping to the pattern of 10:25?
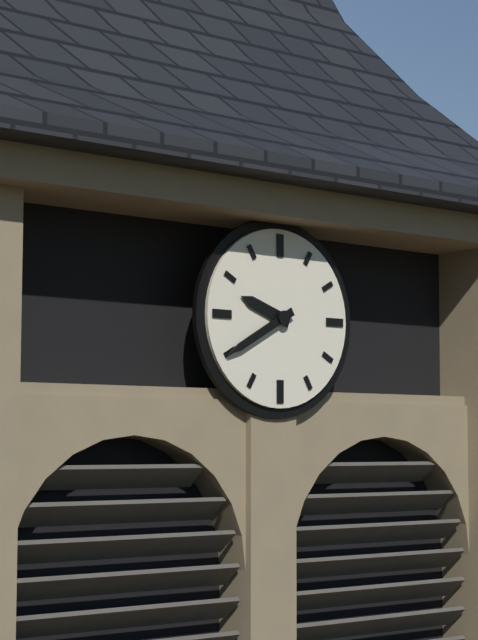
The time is 9:40
